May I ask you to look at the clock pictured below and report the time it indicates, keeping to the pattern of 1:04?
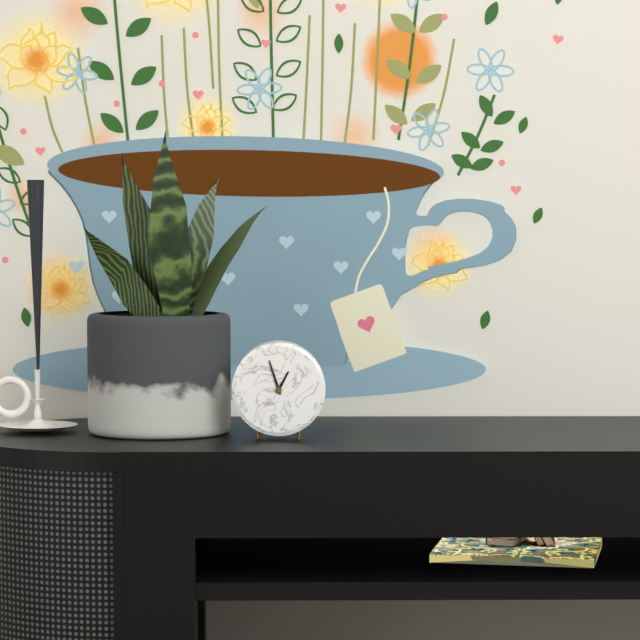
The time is 12:57
